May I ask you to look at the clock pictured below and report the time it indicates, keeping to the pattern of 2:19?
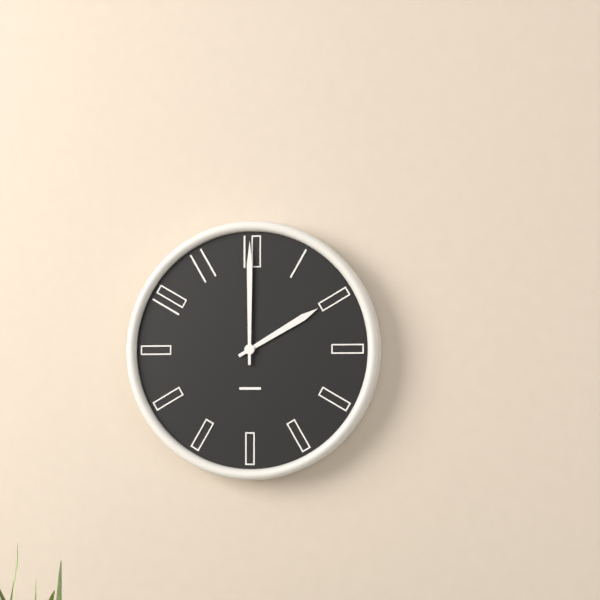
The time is 2:00
